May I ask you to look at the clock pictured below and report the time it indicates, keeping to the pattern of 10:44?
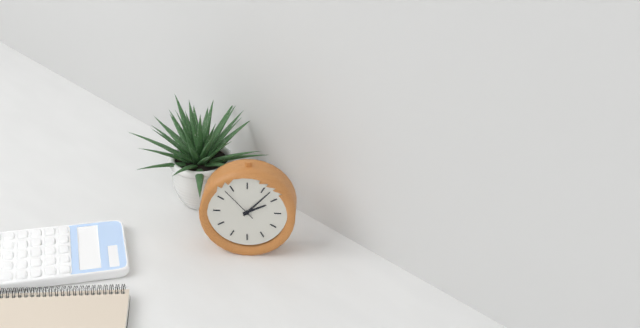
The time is 2:07
